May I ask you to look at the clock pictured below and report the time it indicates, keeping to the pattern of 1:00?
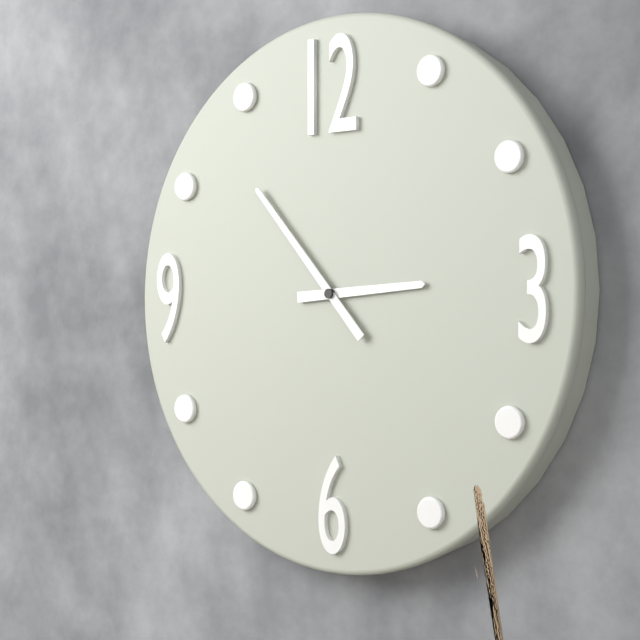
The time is 2:53
